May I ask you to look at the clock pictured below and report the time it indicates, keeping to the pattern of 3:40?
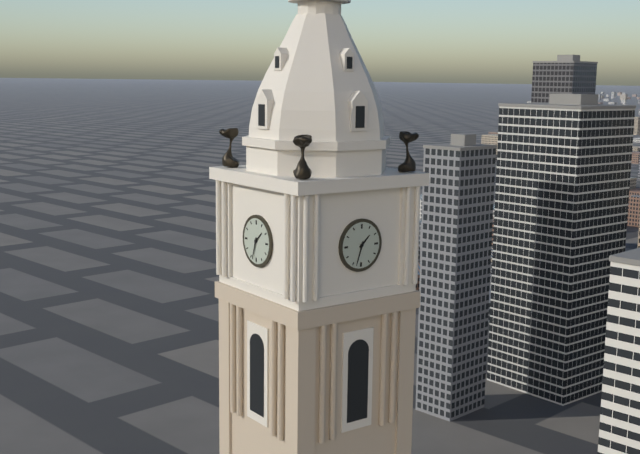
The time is 1:33
